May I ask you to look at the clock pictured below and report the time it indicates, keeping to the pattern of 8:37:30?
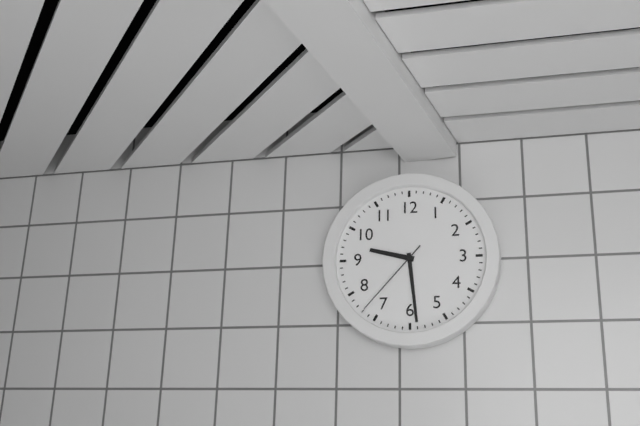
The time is 9:29:37
